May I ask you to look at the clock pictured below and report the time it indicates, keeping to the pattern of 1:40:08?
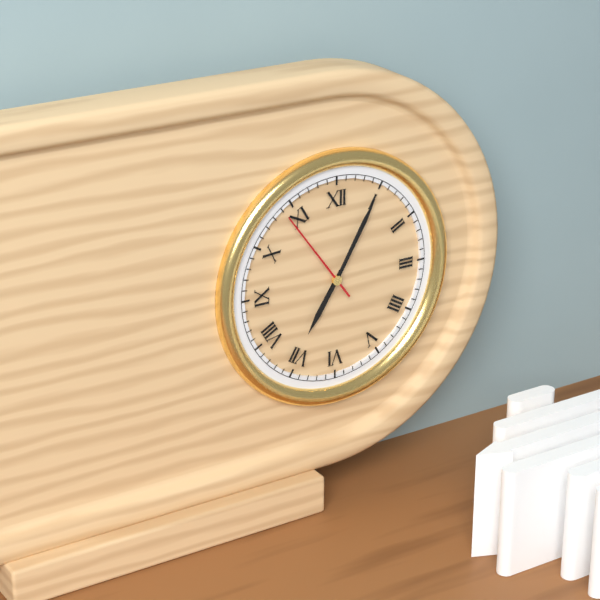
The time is 7:05:54
